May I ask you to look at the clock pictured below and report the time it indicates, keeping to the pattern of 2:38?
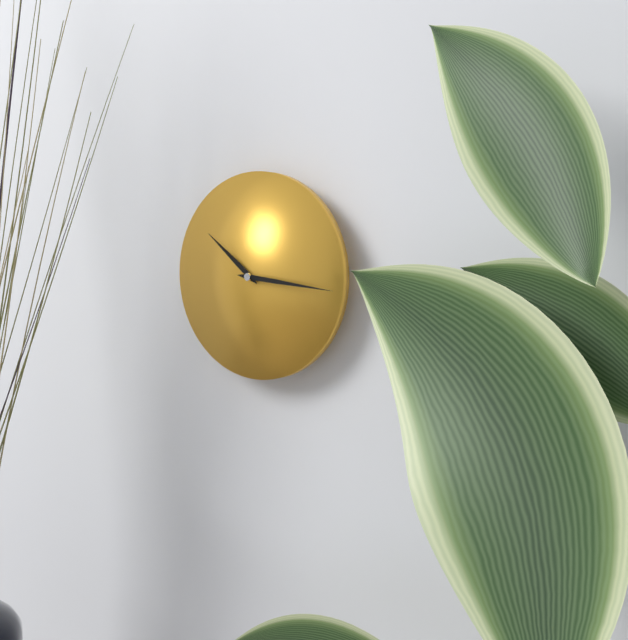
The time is 10:16
